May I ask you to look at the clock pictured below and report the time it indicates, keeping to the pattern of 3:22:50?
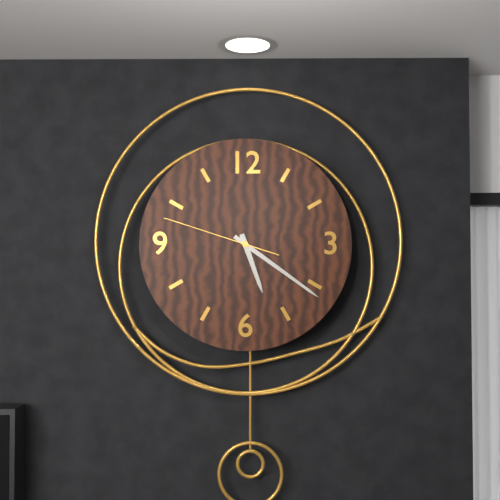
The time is 5:21:48
